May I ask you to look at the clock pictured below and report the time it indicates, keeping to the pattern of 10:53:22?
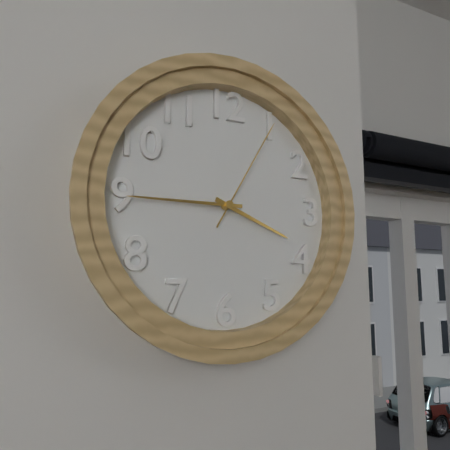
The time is 3:45:05
